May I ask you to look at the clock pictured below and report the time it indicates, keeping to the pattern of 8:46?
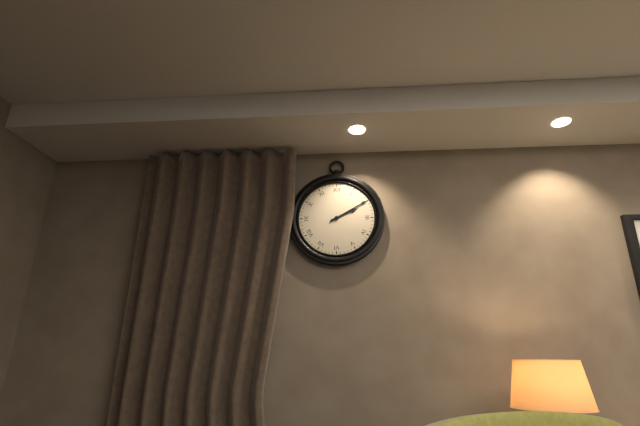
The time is 2:10
